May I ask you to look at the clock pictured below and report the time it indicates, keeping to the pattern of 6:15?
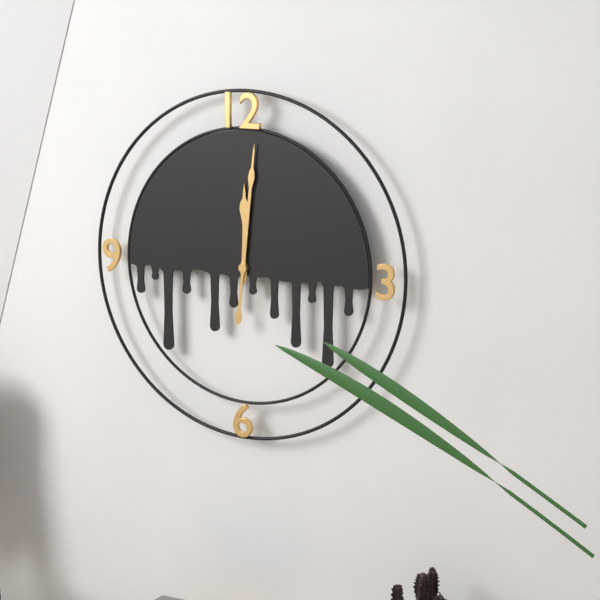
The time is 12:01
